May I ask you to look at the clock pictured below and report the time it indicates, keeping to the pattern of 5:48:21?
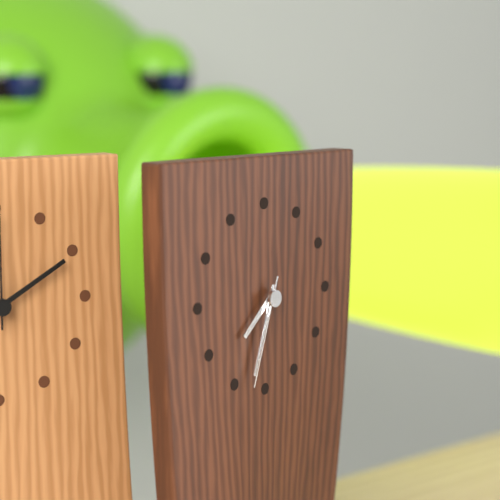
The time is 7:33:33
